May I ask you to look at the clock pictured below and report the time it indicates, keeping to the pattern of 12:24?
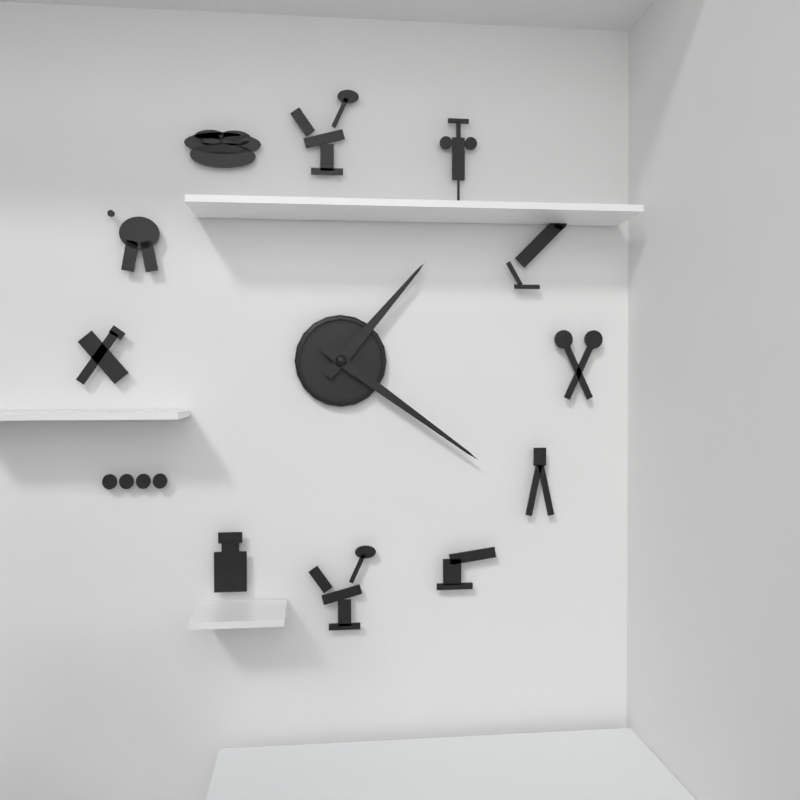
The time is 1:21
